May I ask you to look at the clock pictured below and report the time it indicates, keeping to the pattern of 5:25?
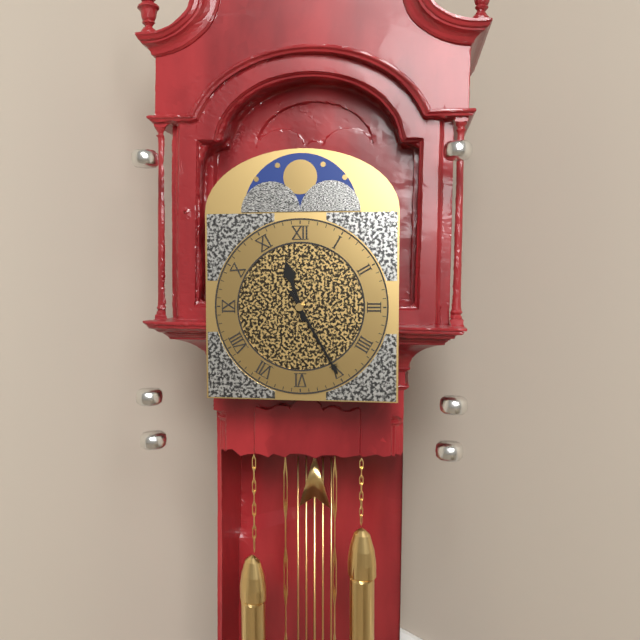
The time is 11:25
